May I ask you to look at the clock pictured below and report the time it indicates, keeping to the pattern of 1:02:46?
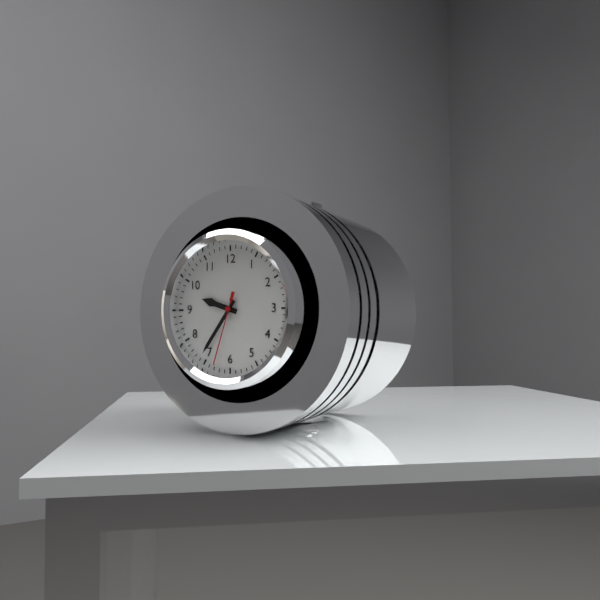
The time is 9:36:33
